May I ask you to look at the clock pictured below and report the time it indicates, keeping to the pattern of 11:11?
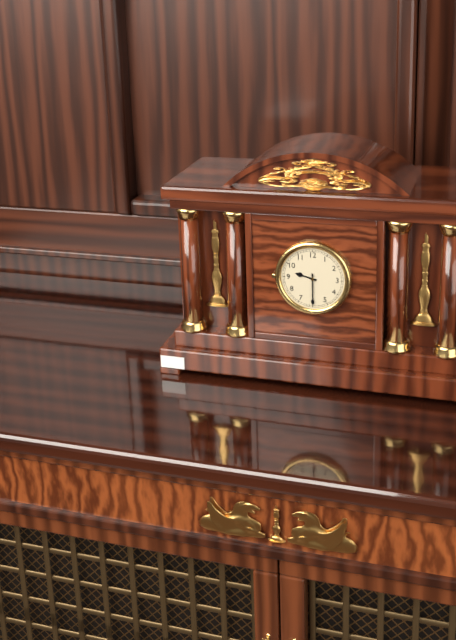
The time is 9:30
